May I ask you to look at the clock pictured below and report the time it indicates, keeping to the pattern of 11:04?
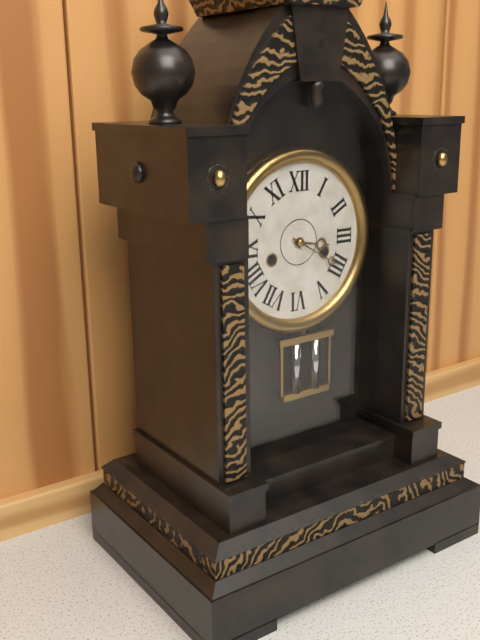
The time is 3:20
